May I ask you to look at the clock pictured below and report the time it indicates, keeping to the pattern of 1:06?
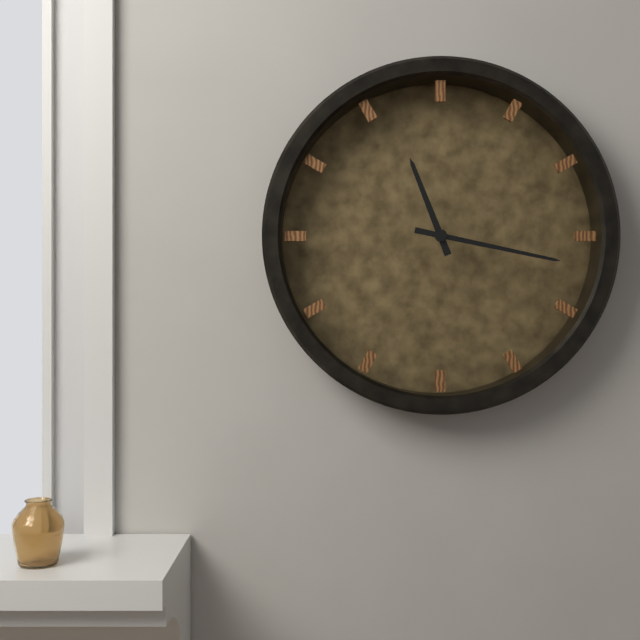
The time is 11:17
